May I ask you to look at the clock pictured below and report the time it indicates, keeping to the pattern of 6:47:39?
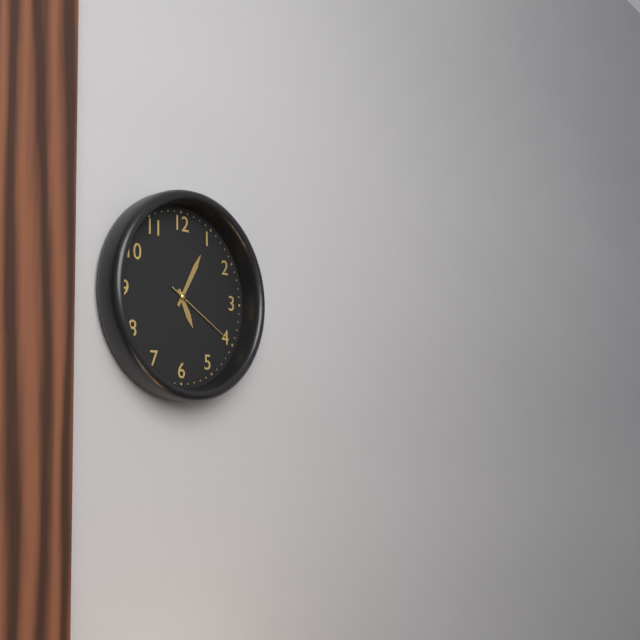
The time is 5:05:20
